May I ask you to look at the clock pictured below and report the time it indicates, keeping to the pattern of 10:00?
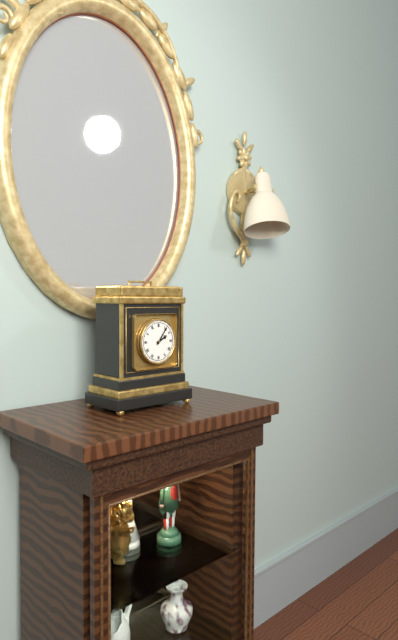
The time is 2:06
